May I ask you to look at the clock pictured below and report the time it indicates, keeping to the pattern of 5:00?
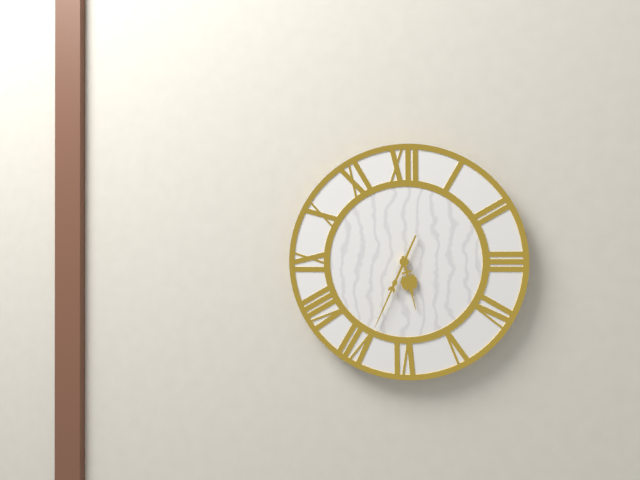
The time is 5:34
